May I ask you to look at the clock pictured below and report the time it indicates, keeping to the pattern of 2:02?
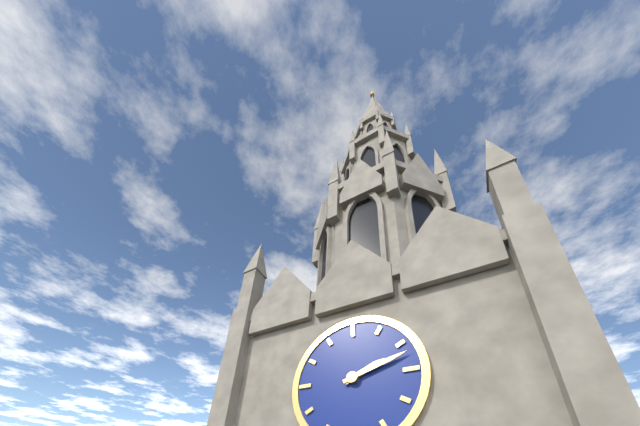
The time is 2:12
